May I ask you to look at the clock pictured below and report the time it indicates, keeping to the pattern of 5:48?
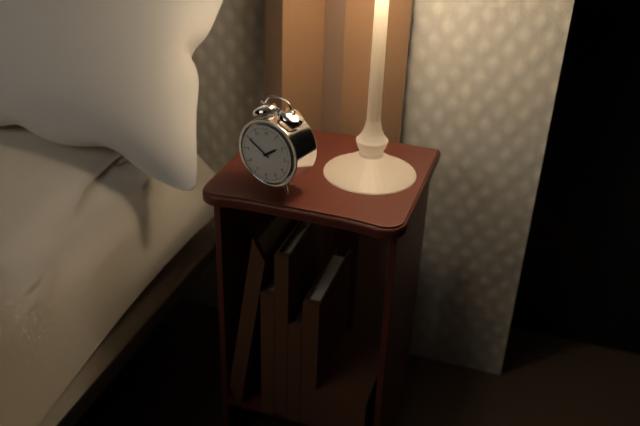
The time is 1:50
